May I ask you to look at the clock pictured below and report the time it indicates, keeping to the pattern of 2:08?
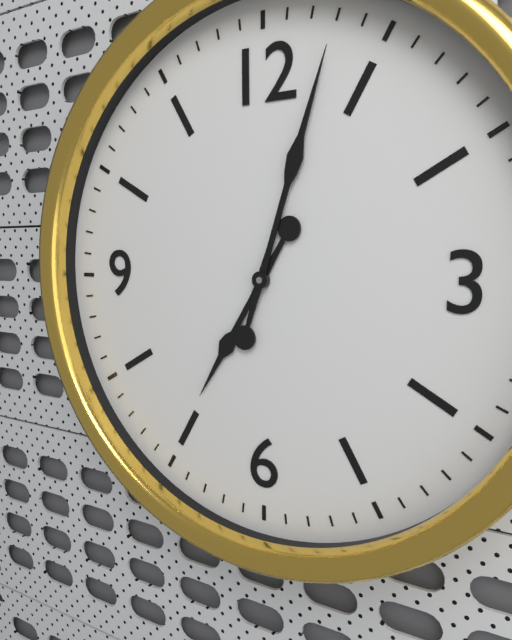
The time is 7:03
